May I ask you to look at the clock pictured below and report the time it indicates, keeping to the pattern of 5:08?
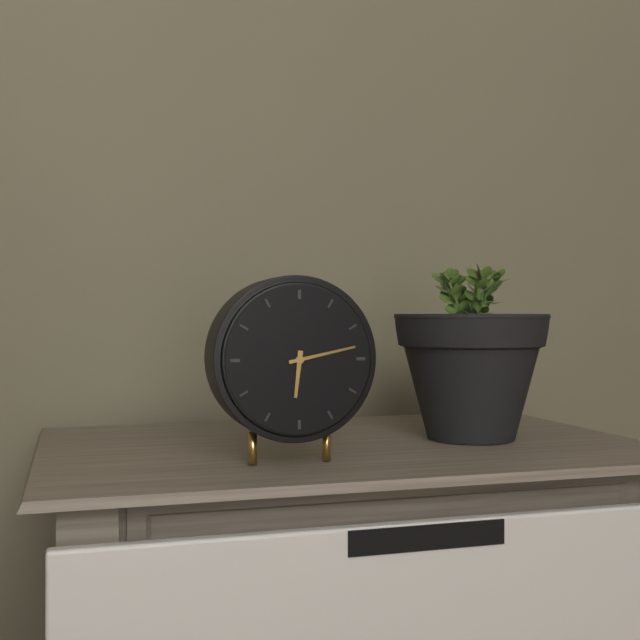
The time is 6:13
